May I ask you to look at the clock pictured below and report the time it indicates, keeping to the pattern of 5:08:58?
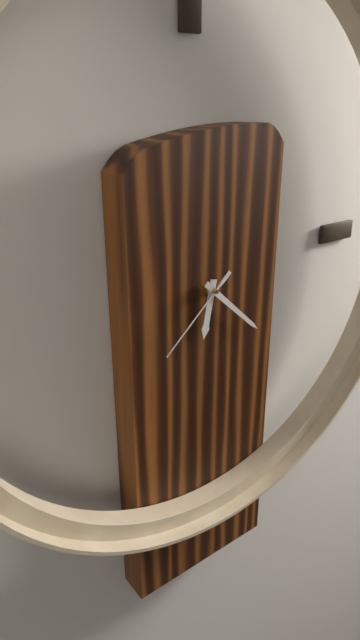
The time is 6:22:38
